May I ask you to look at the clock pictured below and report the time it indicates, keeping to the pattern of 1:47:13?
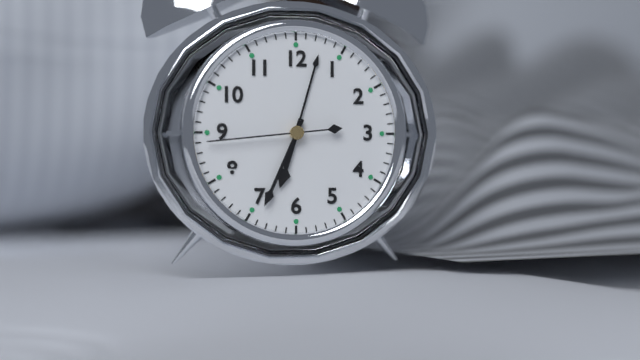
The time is 6:34:44
